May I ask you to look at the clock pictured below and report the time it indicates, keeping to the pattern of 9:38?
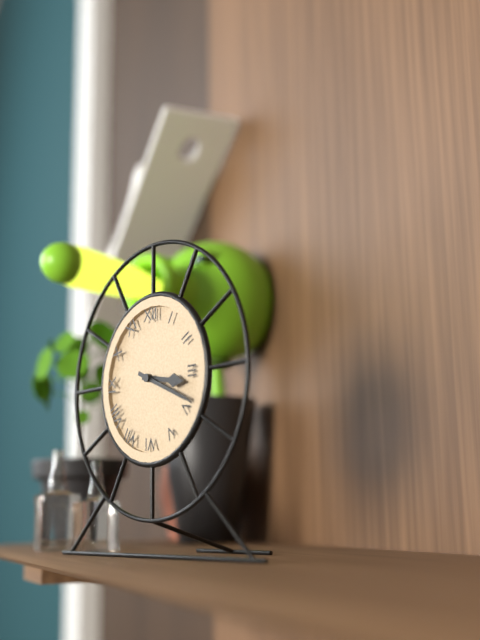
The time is 3:19
